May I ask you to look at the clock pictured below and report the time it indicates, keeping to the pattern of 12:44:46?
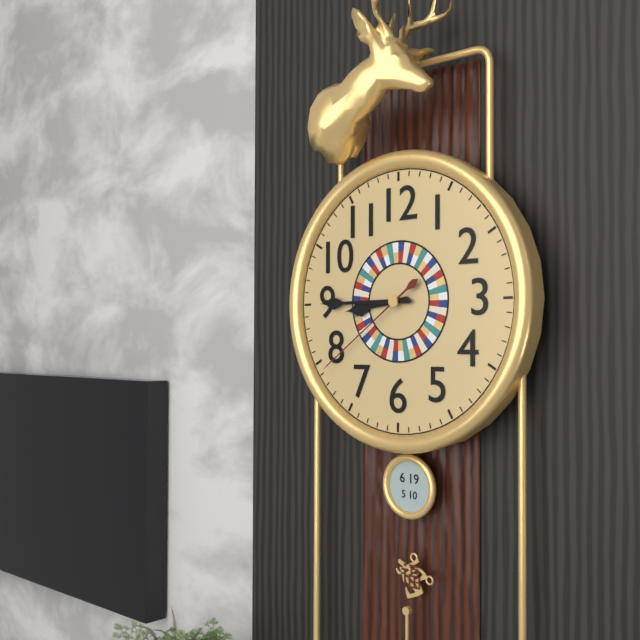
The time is 8:45:39
